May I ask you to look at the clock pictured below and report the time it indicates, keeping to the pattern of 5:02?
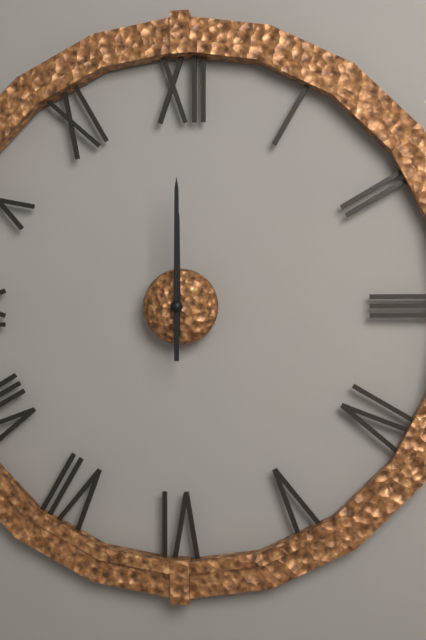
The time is 12:00
